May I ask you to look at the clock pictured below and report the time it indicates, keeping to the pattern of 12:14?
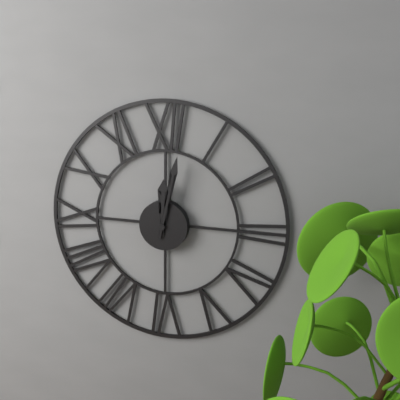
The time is 12:02
